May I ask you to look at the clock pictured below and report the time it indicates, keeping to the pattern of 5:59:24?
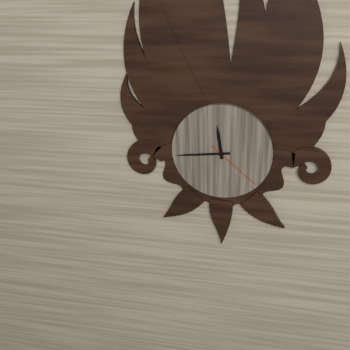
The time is 11:44:22
